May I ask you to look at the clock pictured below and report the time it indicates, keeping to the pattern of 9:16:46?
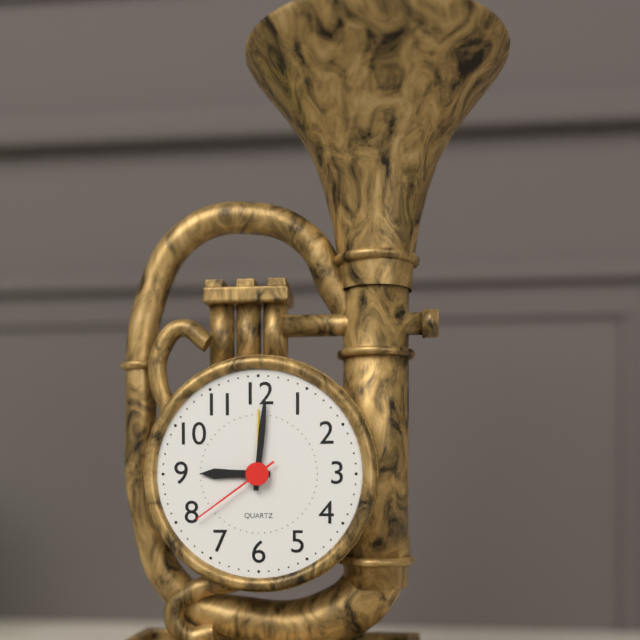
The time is 9:01:39
